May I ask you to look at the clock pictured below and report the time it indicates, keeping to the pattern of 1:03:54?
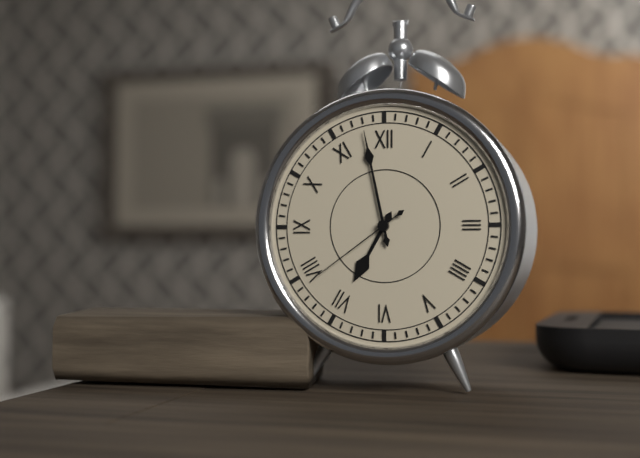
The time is 6:58:39
